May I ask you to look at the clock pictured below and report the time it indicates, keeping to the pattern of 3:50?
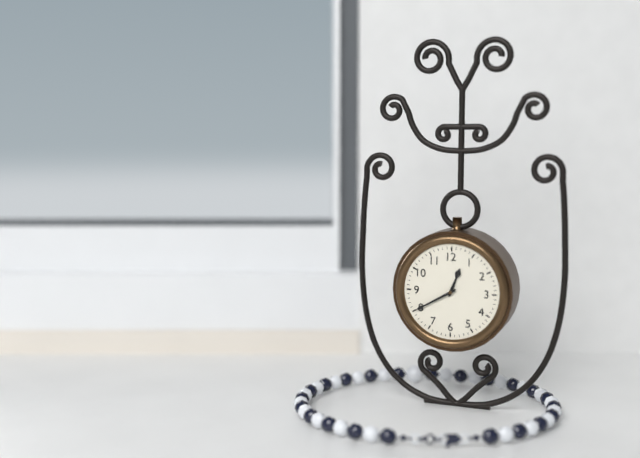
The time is 12:40
